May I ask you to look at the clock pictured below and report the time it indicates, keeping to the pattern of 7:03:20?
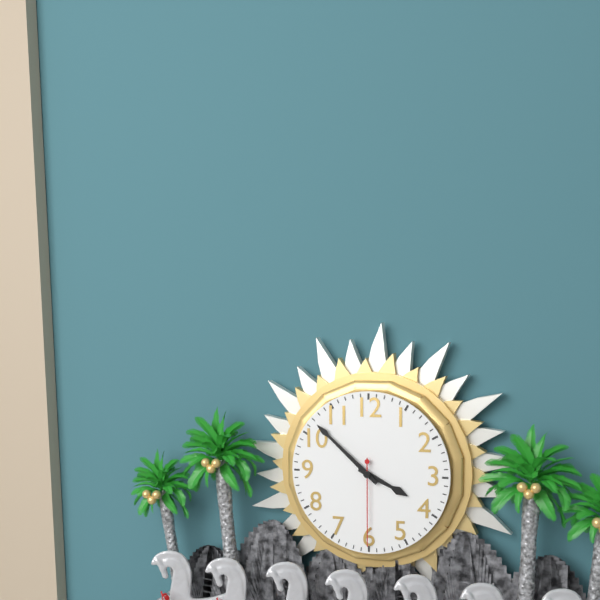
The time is 3:52:30
